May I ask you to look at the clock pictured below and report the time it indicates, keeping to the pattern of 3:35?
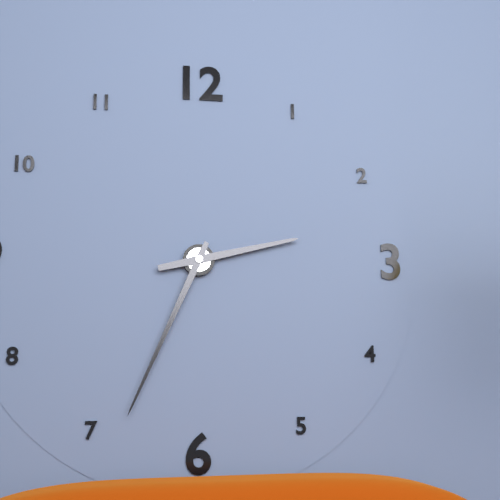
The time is 2:34
